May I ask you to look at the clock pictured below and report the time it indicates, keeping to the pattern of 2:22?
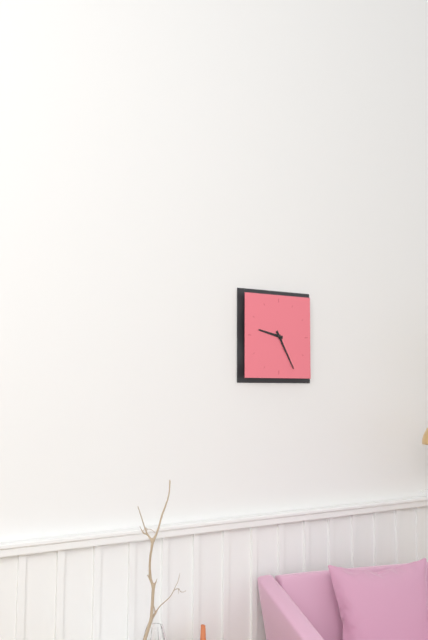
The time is 9:25
